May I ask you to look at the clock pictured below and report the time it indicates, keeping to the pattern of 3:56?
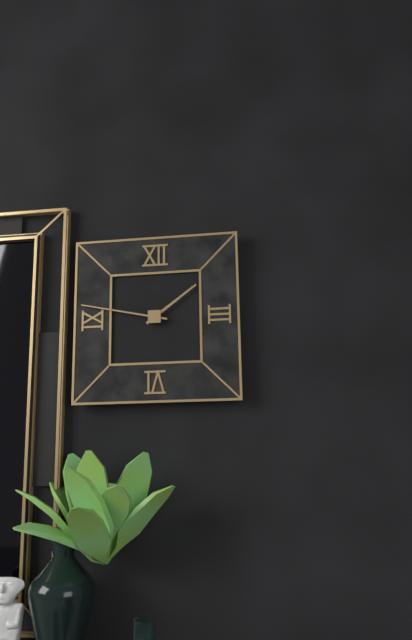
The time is 1:47
